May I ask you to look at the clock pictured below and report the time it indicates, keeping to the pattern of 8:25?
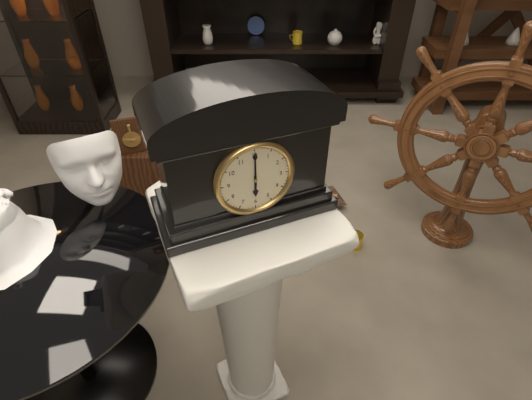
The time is 6:00
